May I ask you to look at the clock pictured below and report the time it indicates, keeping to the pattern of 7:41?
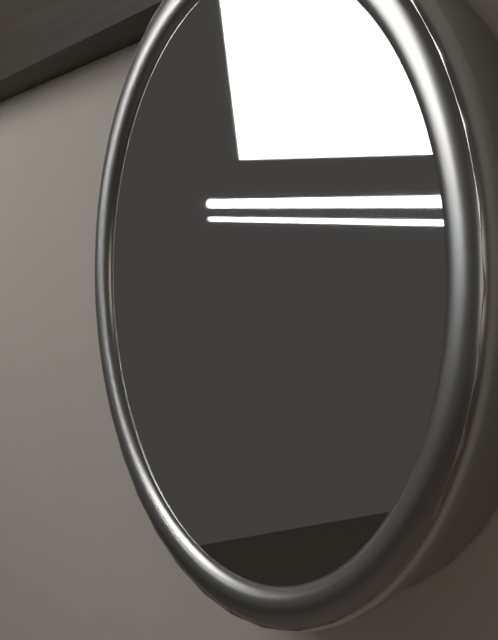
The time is 1:37
